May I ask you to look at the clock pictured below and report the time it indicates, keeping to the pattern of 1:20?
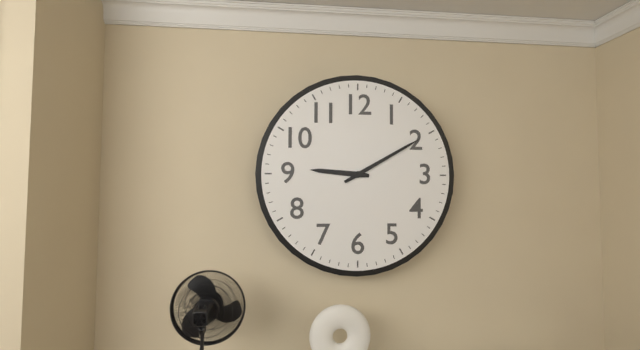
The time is 9:10
